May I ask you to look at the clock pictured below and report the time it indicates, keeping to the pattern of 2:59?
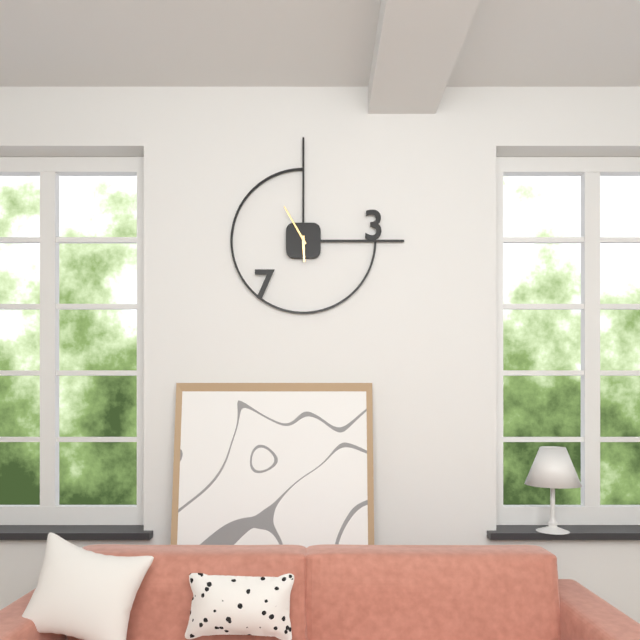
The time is 5:55
